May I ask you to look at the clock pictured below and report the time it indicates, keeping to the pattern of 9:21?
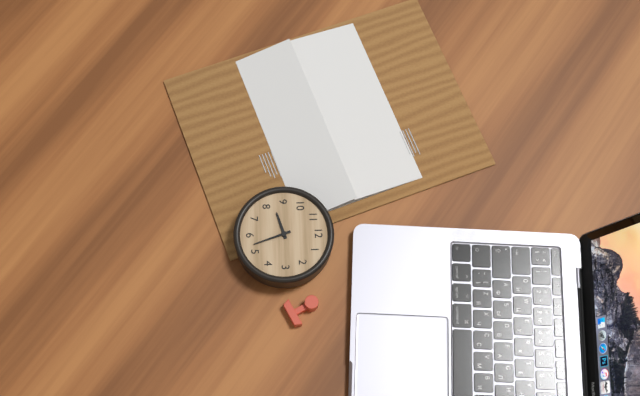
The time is 8:27
